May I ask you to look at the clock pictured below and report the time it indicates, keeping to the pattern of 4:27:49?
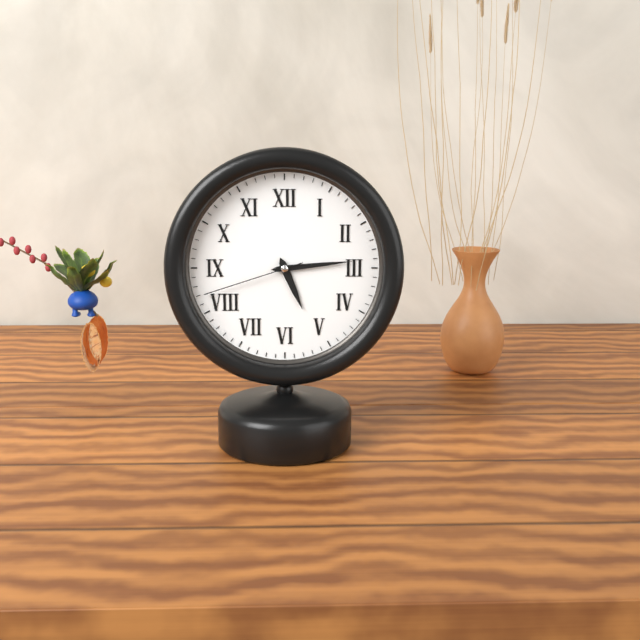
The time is 5:14:42
